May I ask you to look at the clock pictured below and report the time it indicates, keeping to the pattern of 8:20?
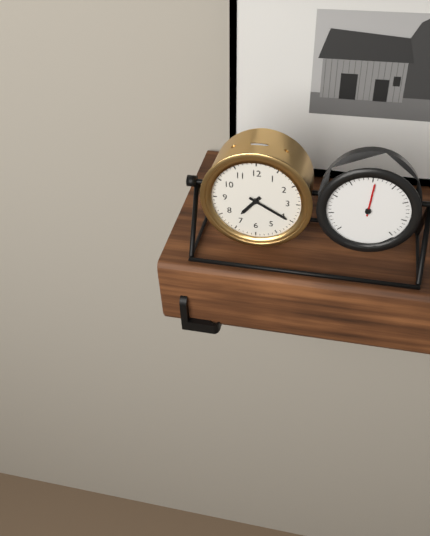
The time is 7:20
